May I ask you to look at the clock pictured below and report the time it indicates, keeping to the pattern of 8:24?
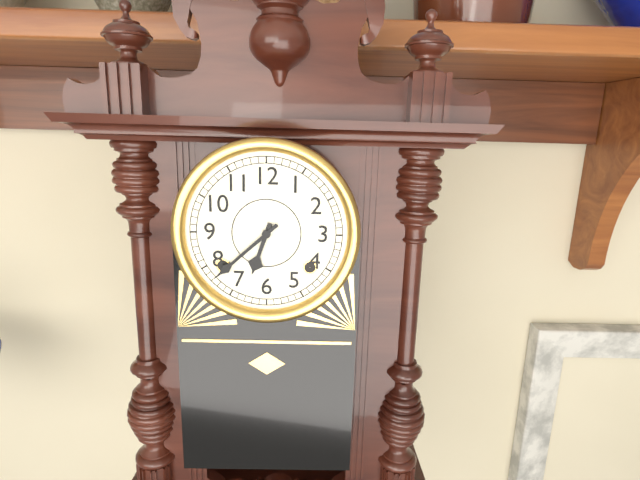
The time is 6:38
